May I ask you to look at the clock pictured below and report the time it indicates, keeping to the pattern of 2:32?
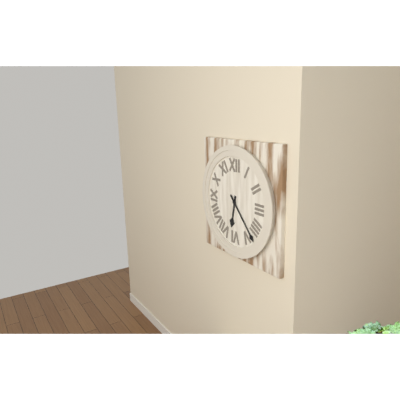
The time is 6:23
